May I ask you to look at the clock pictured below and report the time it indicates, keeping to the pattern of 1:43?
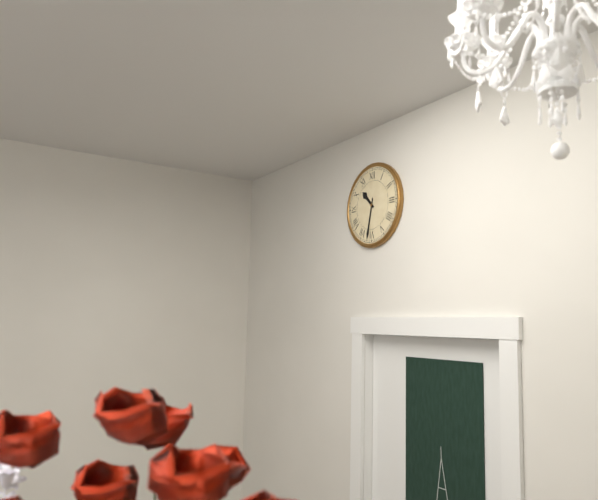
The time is 10:32
